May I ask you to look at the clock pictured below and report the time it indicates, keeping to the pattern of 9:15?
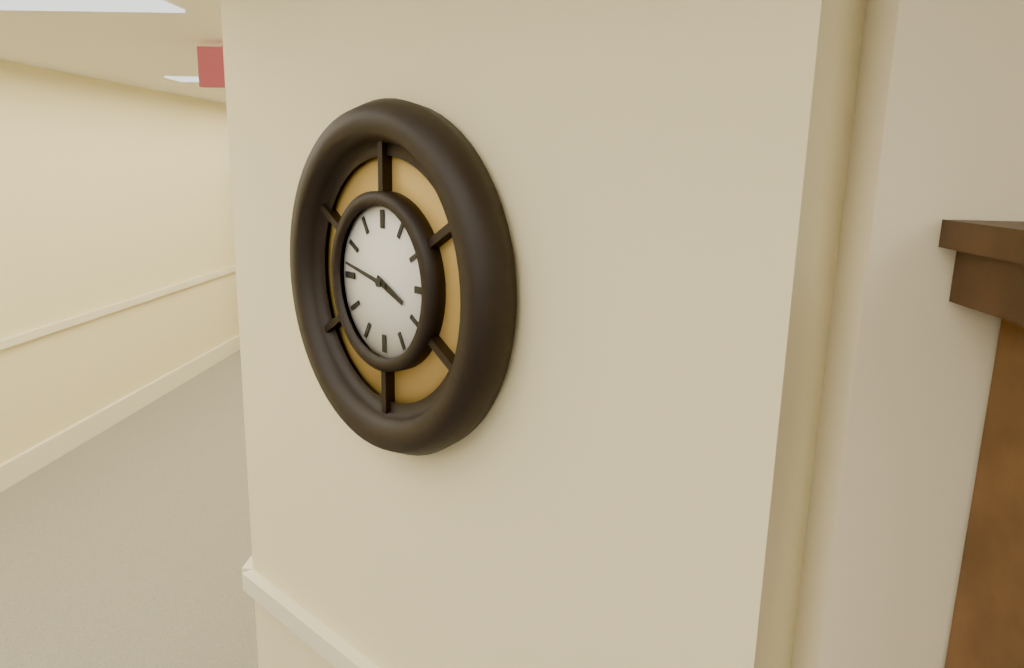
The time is 3:47
